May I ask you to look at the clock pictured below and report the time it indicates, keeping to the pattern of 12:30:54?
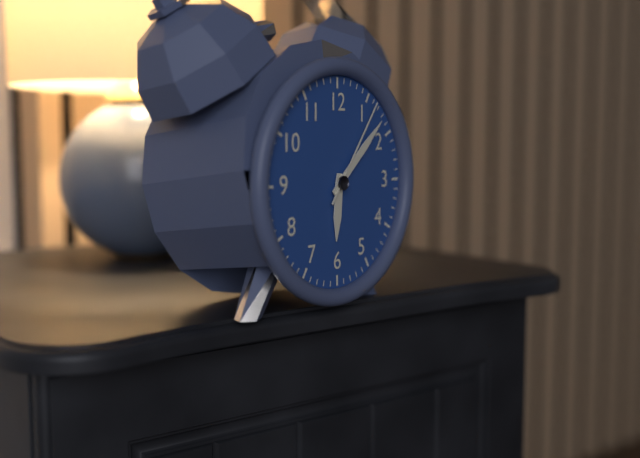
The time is 6:08:06
